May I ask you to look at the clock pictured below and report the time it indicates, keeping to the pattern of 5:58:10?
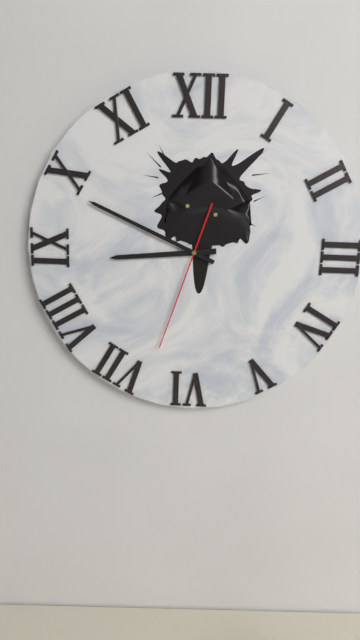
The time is 8:49:33
